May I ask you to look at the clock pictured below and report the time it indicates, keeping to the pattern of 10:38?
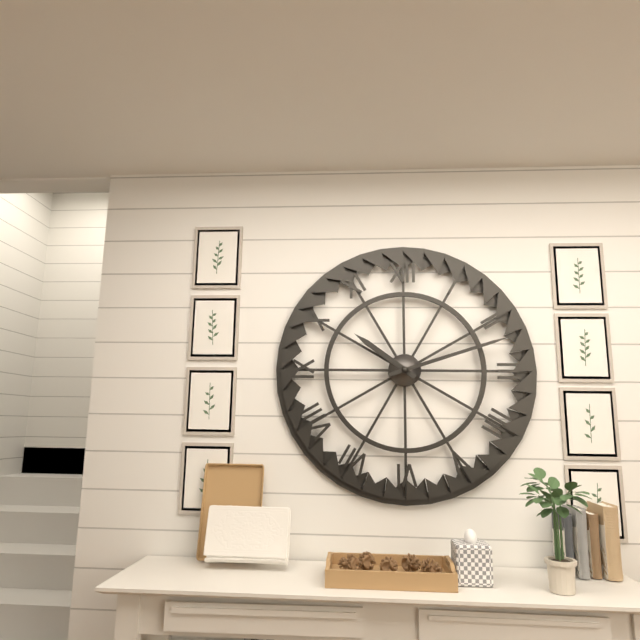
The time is 10:12
